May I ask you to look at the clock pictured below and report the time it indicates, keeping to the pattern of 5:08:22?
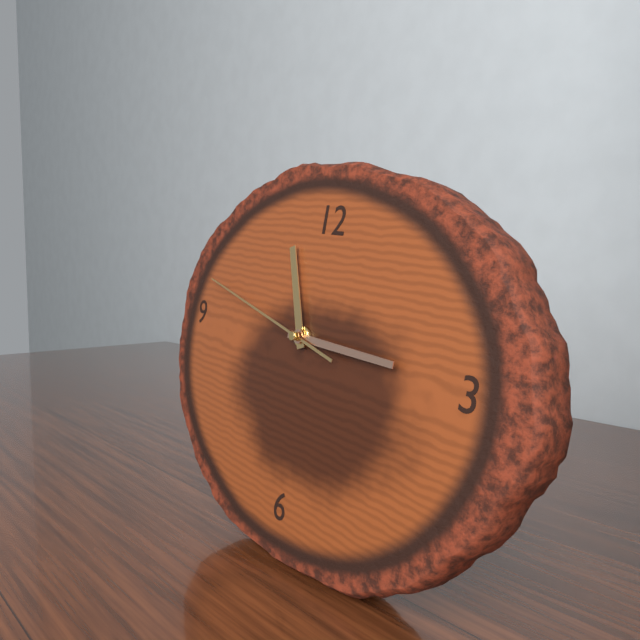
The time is 11:15:47
